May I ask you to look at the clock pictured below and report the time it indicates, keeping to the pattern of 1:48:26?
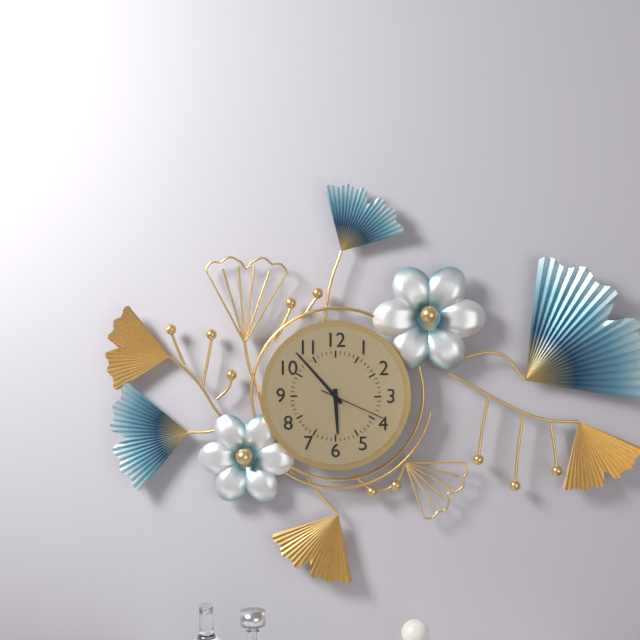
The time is 5:53:19
